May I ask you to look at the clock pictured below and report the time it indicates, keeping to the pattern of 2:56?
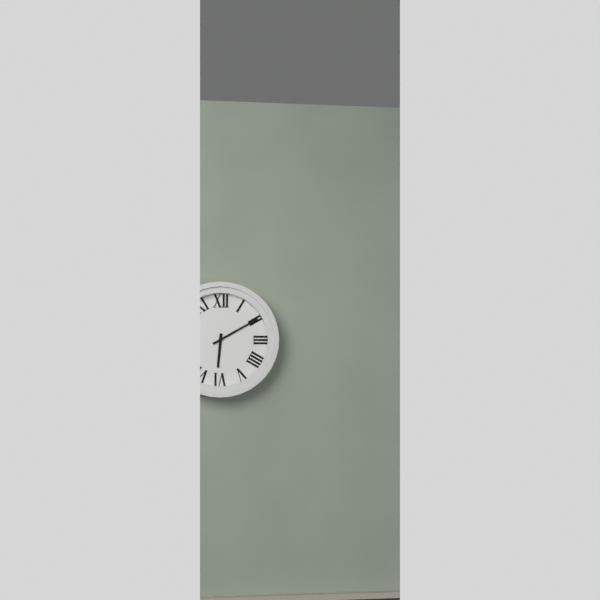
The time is 6:10
